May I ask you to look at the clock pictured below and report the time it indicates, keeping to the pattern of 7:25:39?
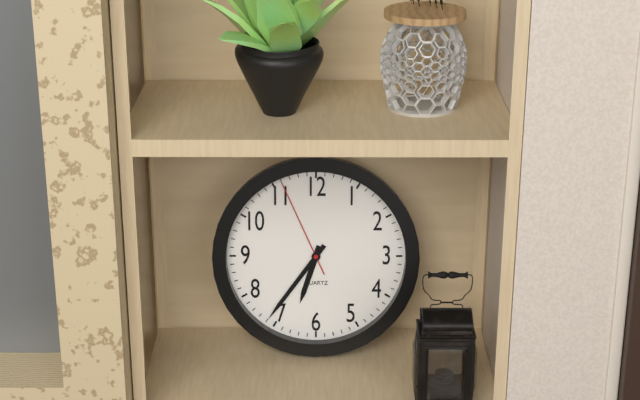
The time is 6:36:56
